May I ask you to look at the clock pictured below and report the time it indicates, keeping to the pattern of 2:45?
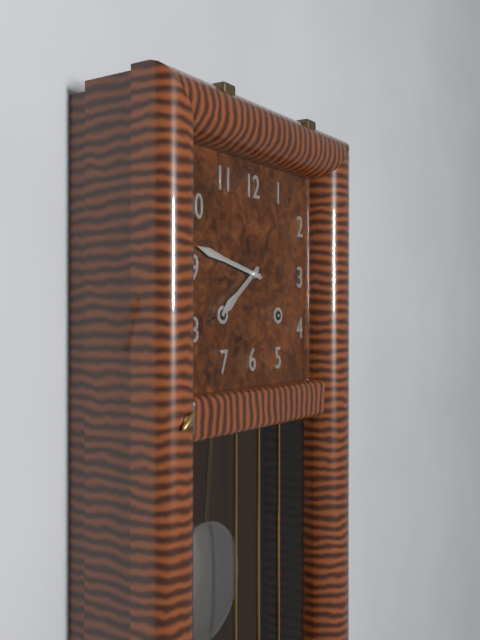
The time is 7:47
